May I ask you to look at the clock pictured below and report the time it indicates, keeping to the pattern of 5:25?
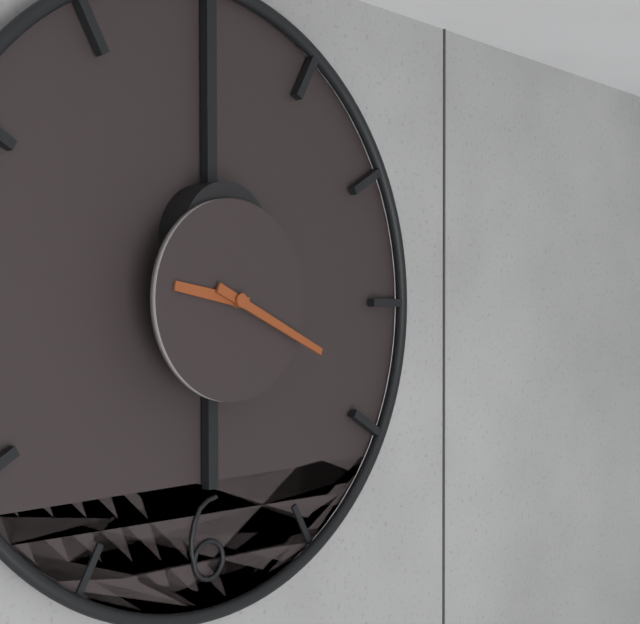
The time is 9:19
